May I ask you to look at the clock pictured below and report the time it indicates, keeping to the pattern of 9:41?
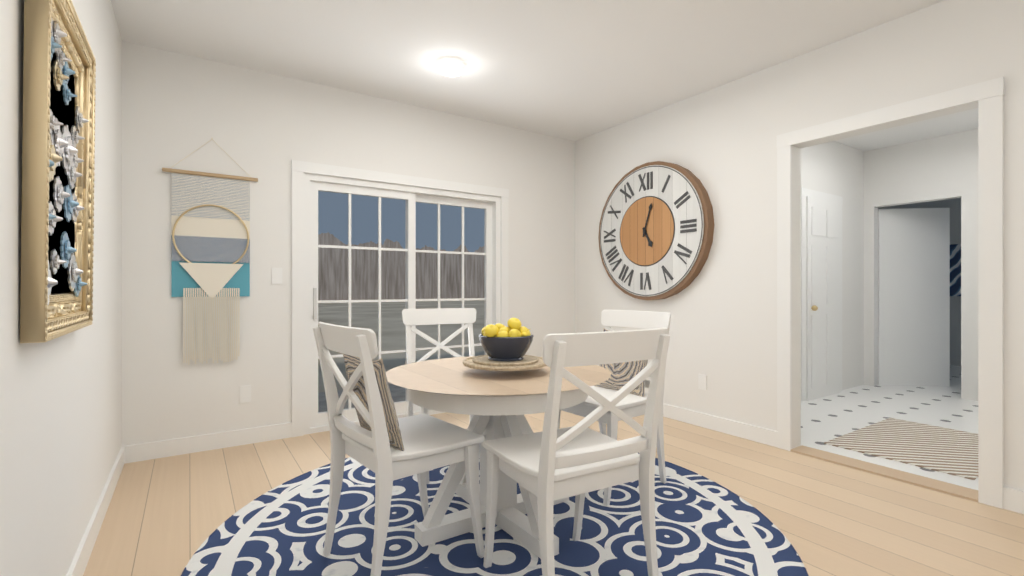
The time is 5:03
